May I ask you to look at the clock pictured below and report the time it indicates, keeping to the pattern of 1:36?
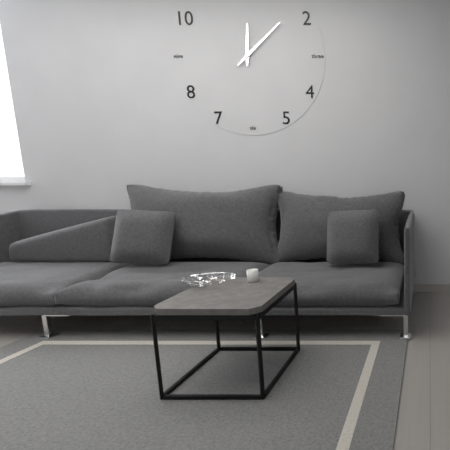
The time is 12:08
